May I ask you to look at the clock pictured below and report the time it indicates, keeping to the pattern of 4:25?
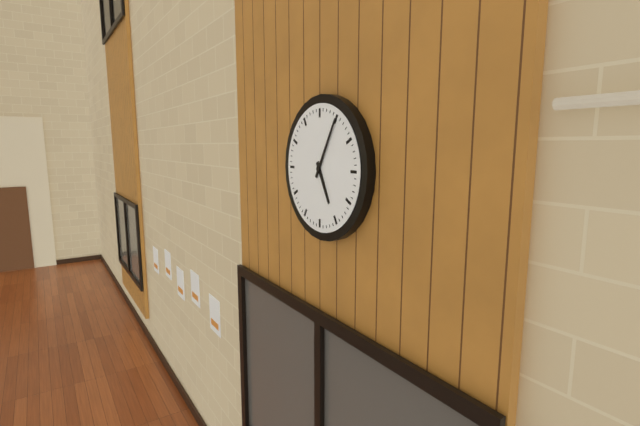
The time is 5:05
